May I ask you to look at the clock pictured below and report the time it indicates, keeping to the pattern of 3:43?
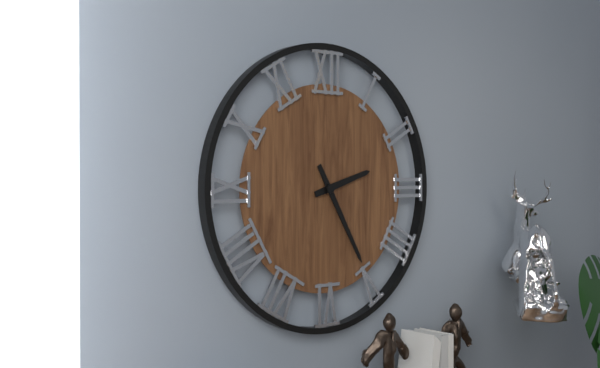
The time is 2:25
